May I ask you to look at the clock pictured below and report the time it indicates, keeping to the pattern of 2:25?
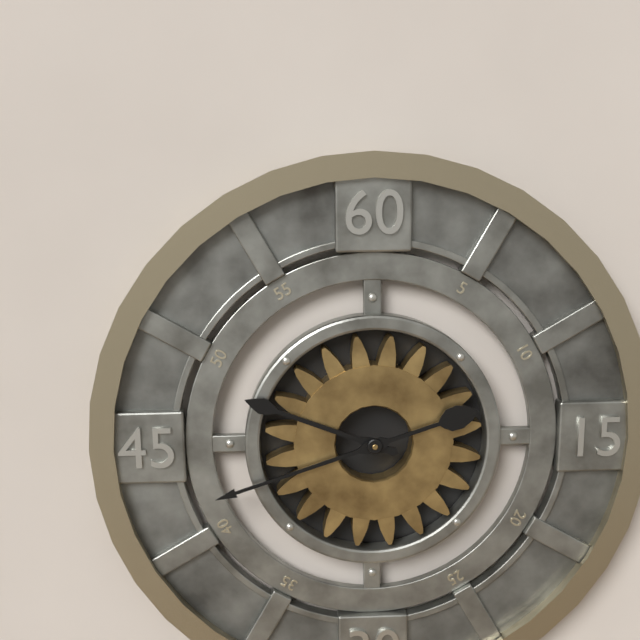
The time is 9:42
